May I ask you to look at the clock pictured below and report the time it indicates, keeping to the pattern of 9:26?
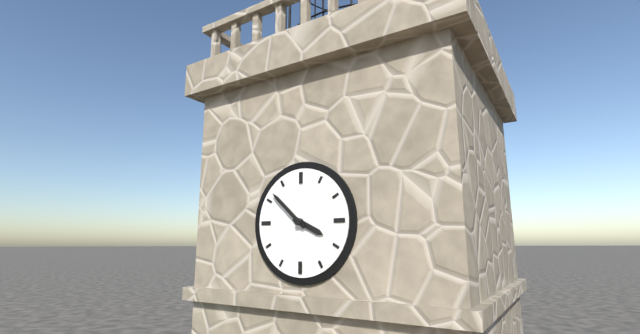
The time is 3:52
